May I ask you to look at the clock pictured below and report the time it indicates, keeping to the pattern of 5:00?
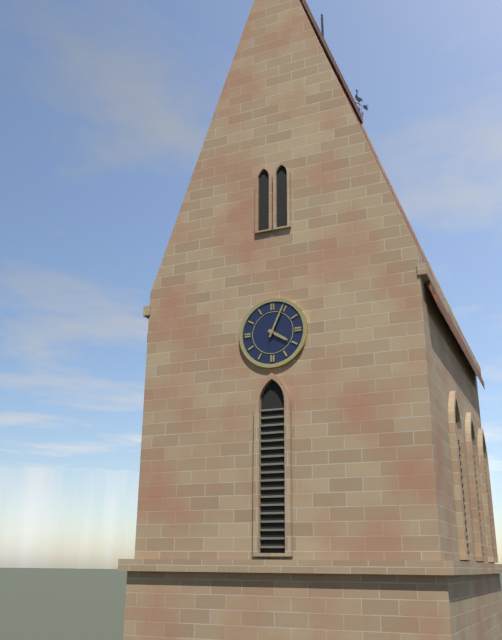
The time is 4:04
